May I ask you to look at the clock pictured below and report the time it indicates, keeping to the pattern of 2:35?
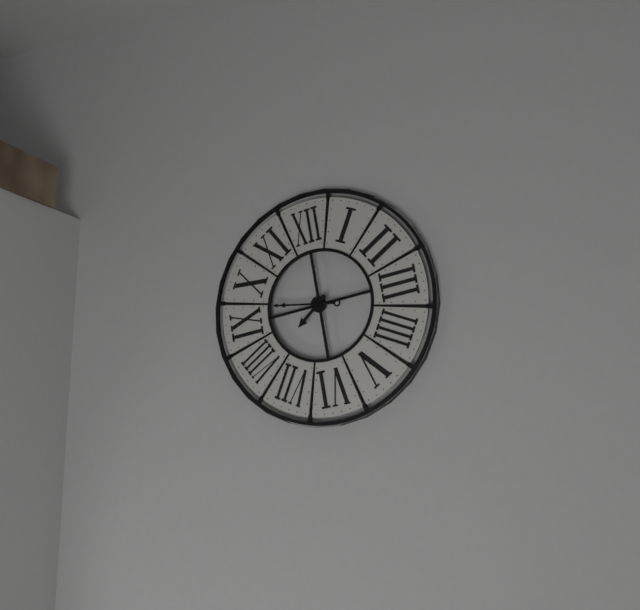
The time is 7:47
